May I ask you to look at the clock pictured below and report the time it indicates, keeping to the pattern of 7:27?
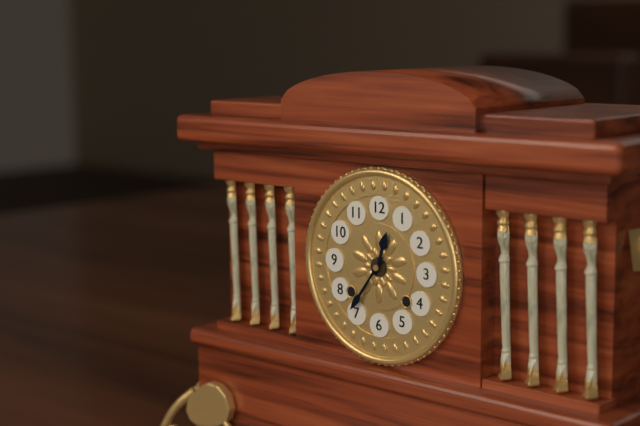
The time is 12:36
